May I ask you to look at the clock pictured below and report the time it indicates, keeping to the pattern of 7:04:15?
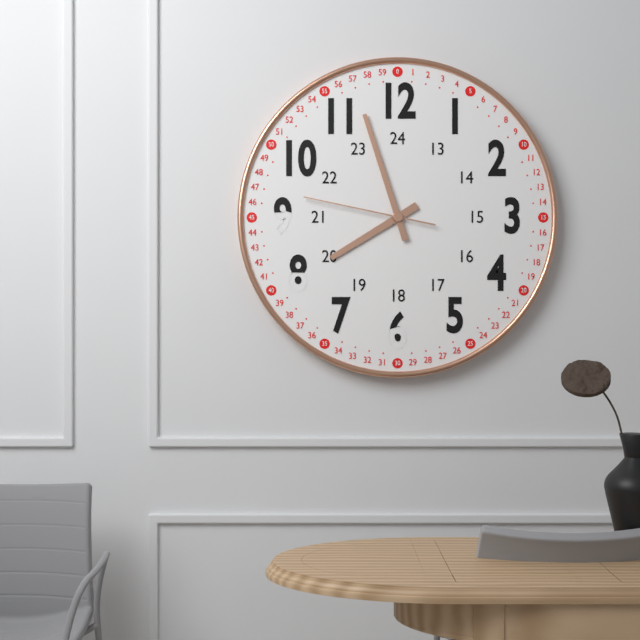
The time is 7:57:47
